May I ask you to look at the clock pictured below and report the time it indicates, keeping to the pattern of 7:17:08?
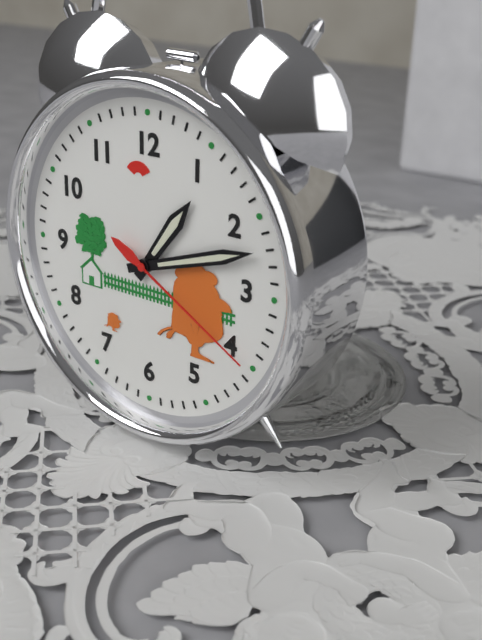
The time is 1:12:20
